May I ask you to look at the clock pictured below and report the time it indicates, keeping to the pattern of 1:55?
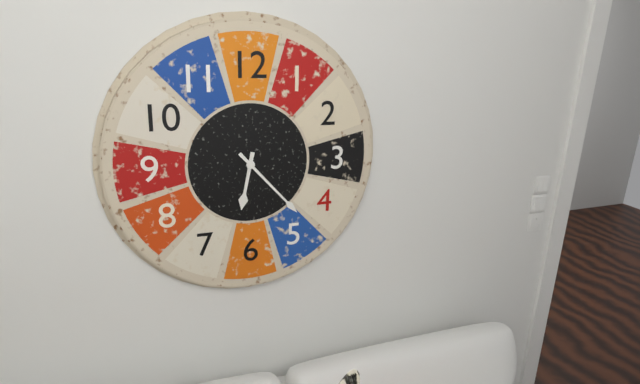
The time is 6:23
